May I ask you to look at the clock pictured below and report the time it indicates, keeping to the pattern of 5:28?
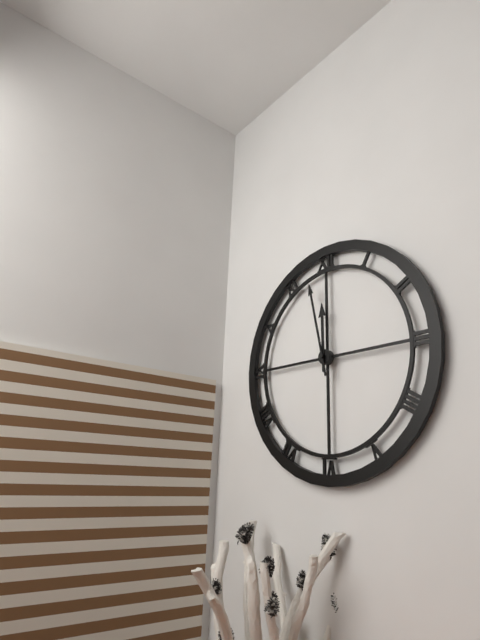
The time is 11:58
